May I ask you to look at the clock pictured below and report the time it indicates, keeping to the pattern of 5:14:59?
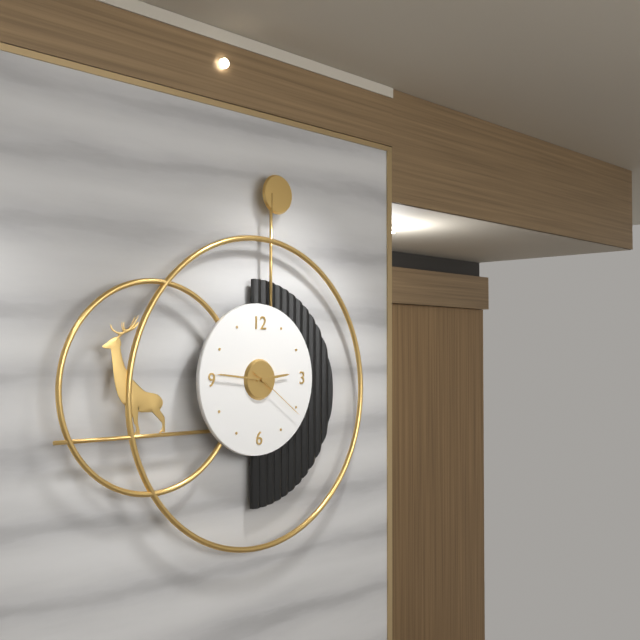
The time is 2:46:21
